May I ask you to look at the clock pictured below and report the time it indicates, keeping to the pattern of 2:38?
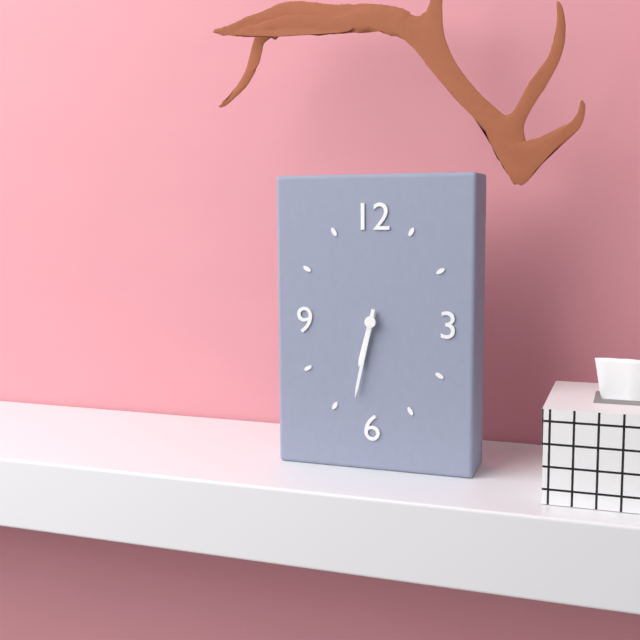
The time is 6:32
